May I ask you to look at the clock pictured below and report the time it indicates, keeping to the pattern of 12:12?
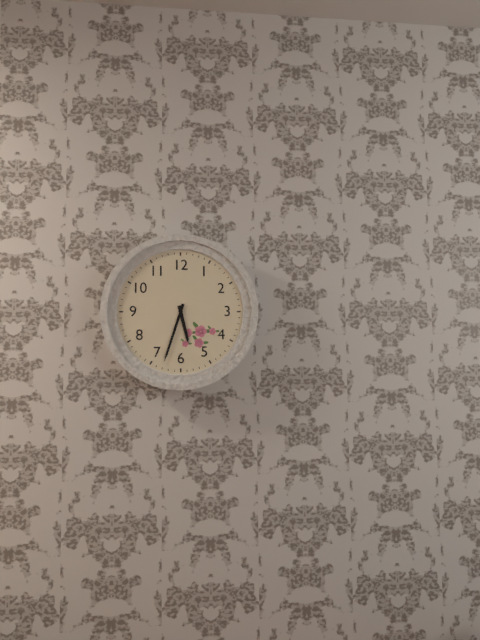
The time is 5:33
